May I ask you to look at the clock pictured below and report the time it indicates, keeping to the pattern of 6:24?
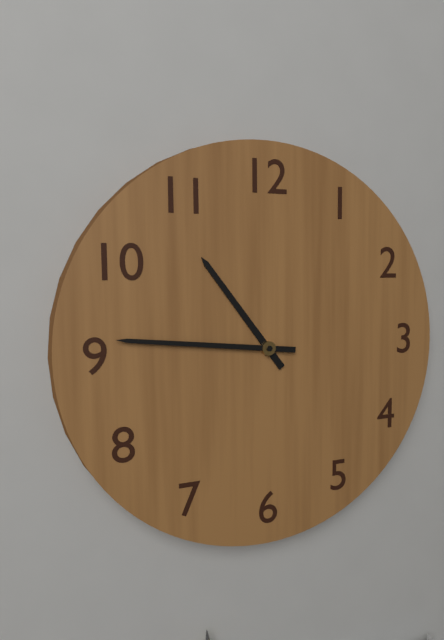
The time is 10:46
